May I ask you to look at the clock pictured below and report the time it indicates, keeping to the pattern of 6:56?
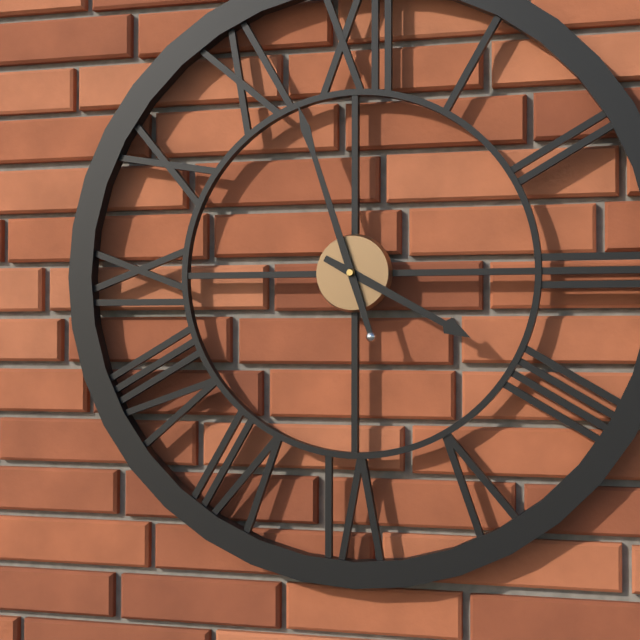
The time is 3:57
